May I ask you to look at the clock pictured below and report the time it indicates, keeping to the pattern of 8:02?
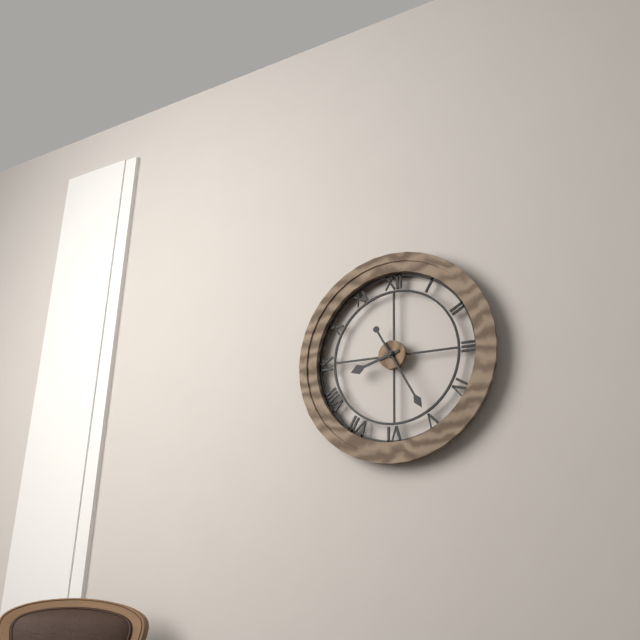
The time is 8:25
